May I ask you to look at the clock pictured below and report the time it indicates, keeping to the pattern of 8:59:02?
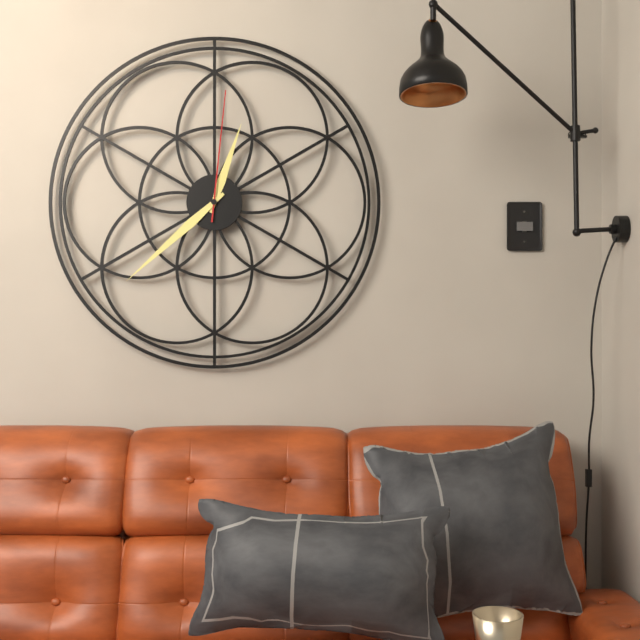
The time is 12:38:01
